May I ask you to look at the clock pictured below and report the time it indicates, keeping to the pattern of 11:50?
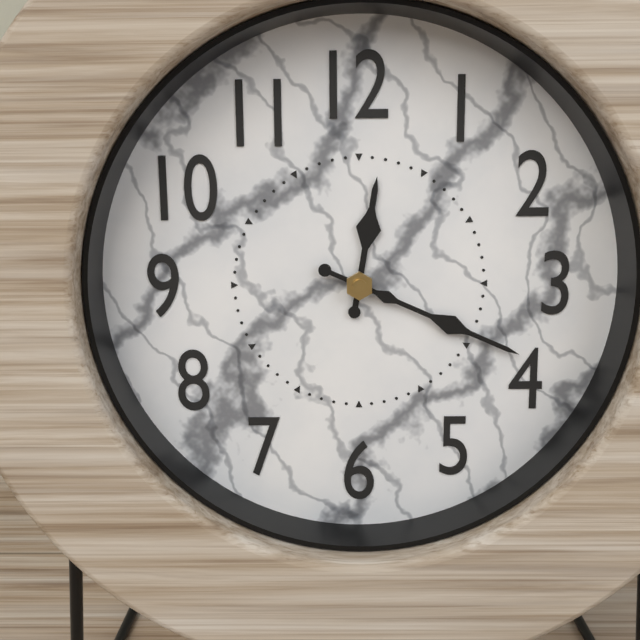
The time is 12:19
